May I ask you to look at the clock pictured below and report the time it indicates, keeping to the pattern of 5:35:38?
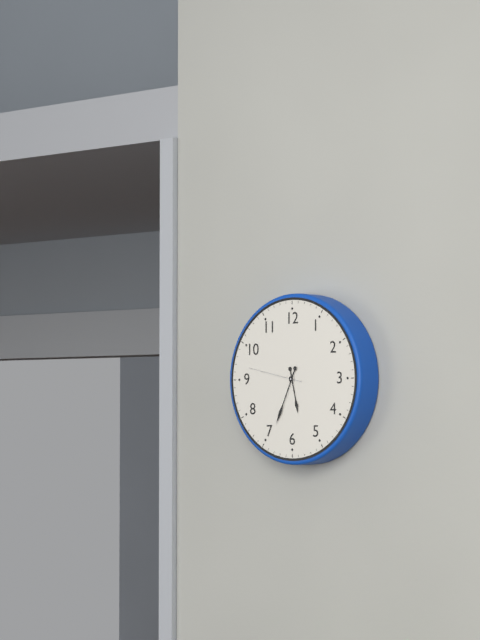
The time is 5:34:47
